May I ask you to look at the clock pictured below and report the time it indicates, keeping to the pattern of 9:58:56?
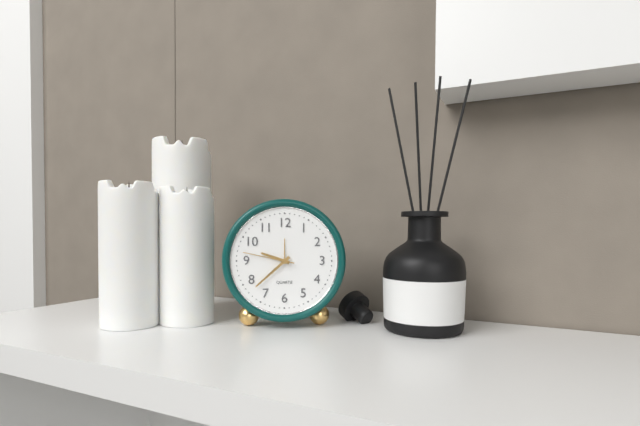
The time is 9:38:47
